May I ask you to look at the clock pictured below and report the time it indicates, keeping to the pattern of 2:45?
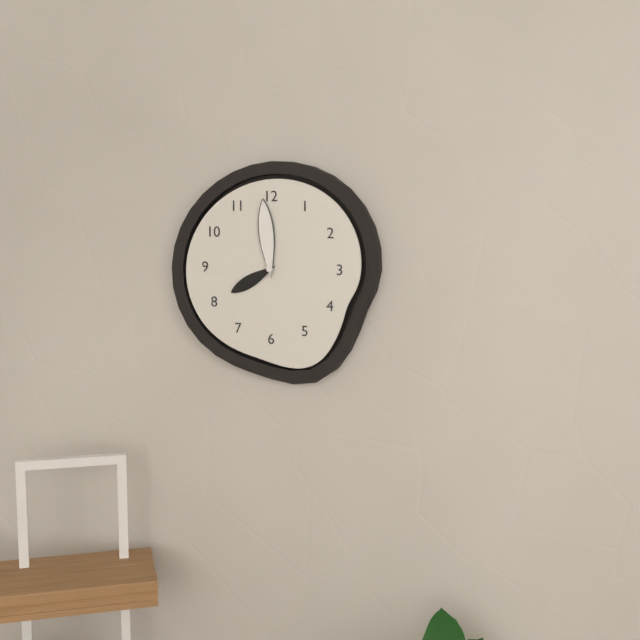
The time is 7:59
